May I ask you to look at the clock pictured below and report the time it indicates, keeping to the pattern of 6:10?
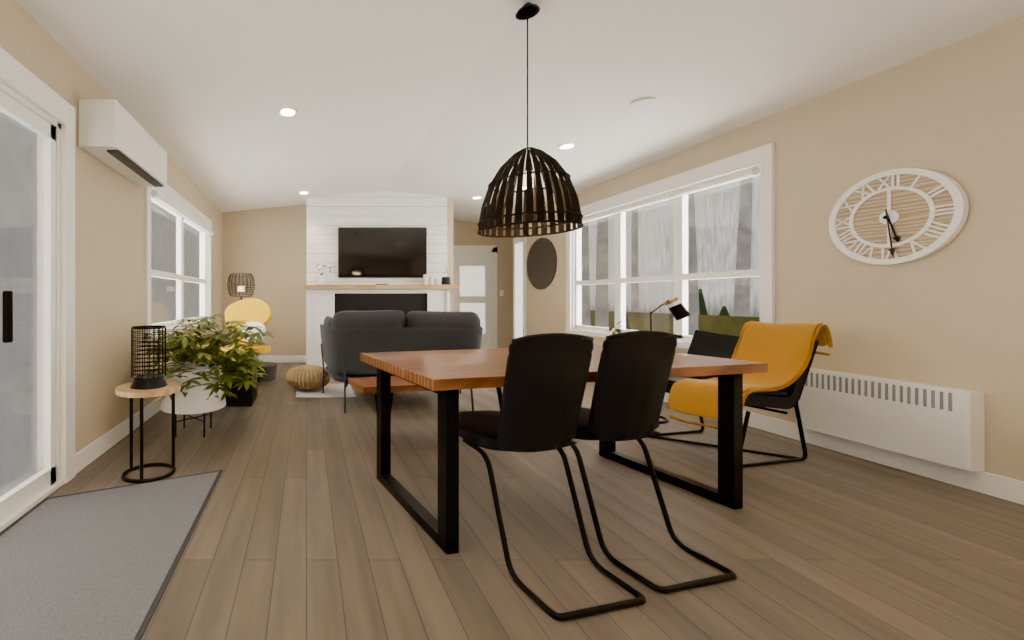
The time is 5:29
